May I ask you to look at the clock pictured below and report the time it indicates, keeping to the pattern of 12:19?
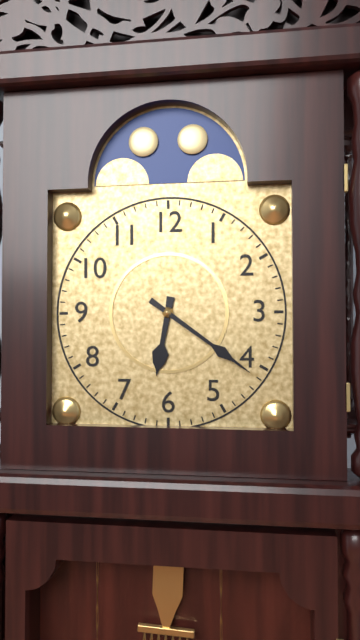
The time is 6:21
